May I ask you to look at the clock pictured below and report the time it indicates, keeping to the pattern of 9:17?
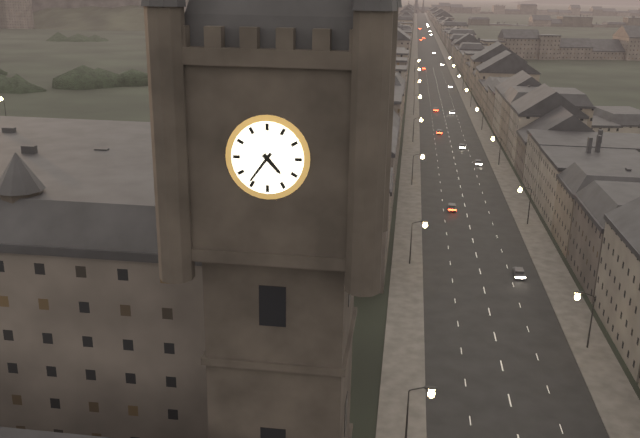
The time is 4:36
